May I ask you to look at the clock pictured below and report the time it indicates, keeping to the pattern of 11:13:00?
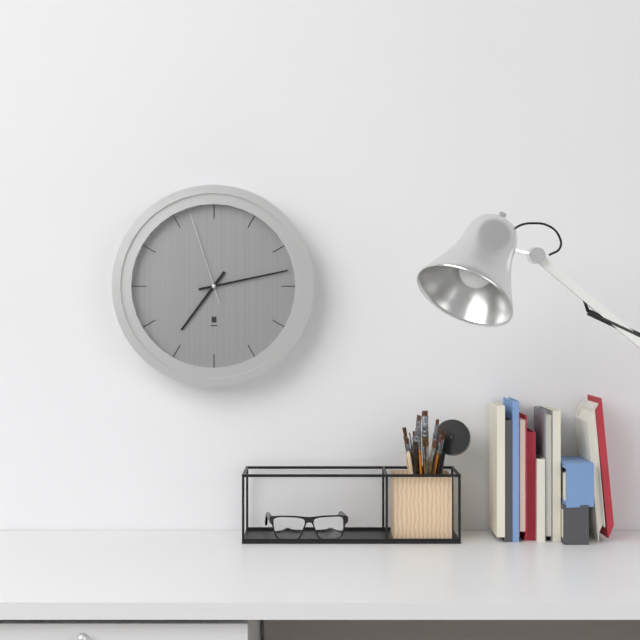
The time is 7:13:57
